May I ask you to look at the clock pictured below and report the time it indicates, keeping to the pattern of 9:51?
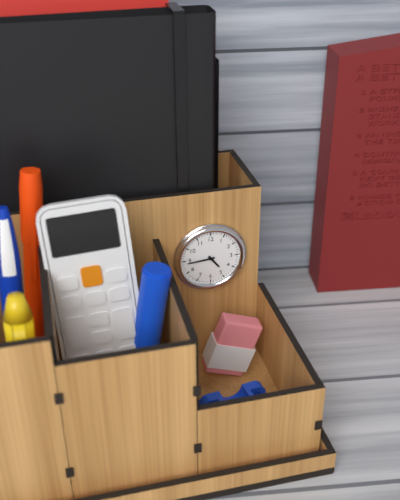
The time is 4:44
